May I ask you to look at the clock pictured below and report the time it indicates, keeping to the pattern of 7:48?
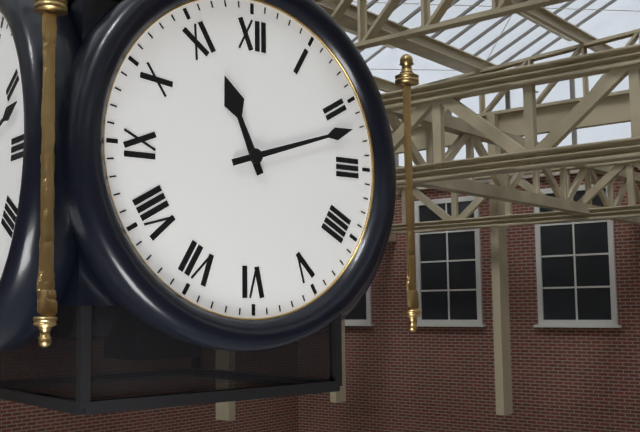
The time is 11:12
